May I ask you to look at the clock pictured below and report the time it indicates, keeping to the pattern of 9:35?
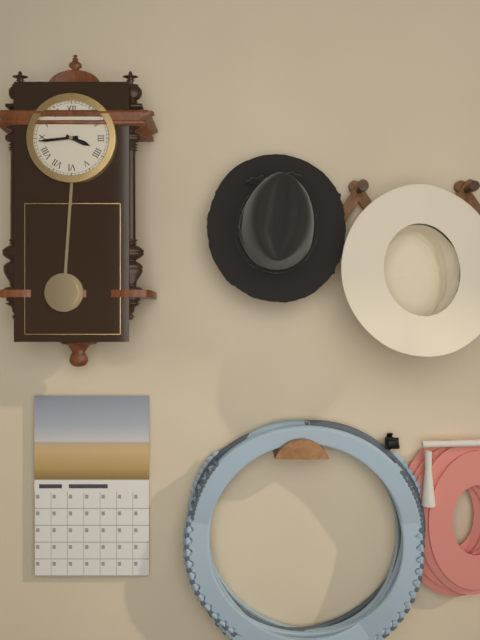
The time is 3:44
